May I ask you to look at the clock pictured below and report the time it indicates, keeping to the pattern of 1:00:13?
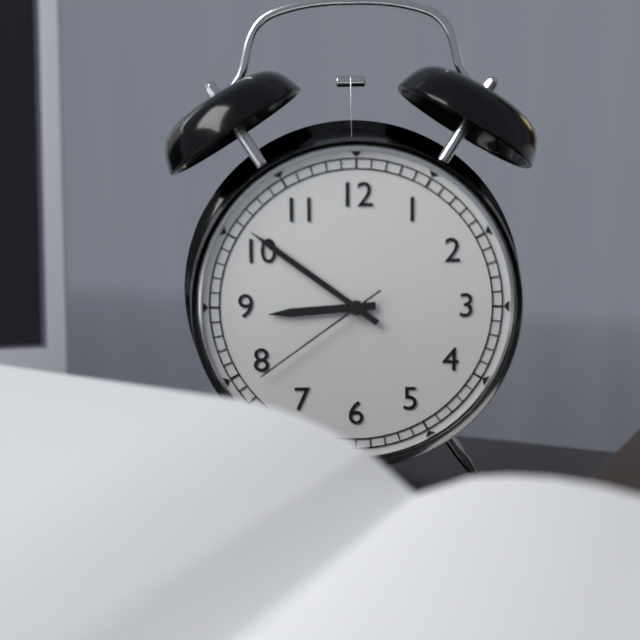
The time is 8:51:39
